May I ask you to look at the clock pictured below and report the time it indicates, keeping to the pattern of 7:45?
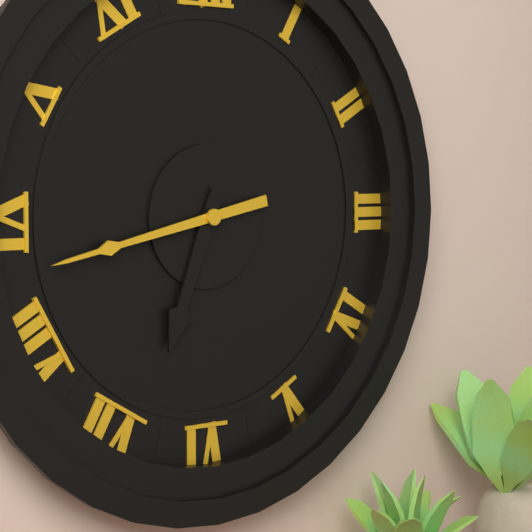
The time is 6:43
